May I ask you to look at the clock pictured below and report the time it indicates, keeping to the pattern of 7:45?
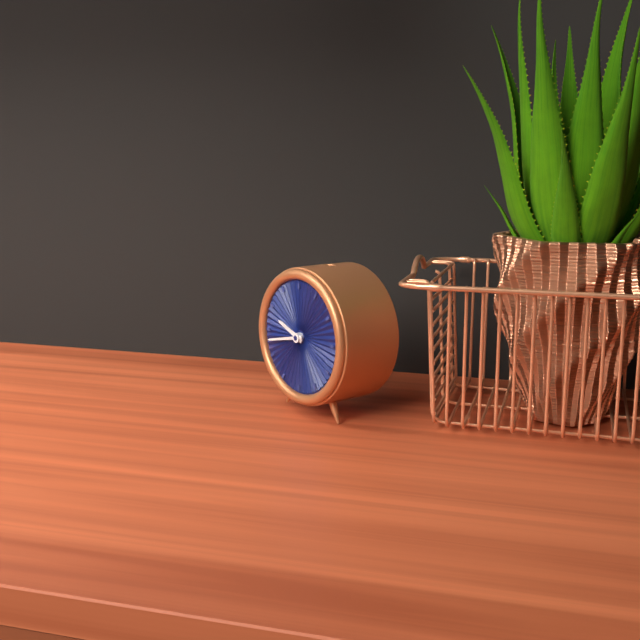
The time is 9:43
